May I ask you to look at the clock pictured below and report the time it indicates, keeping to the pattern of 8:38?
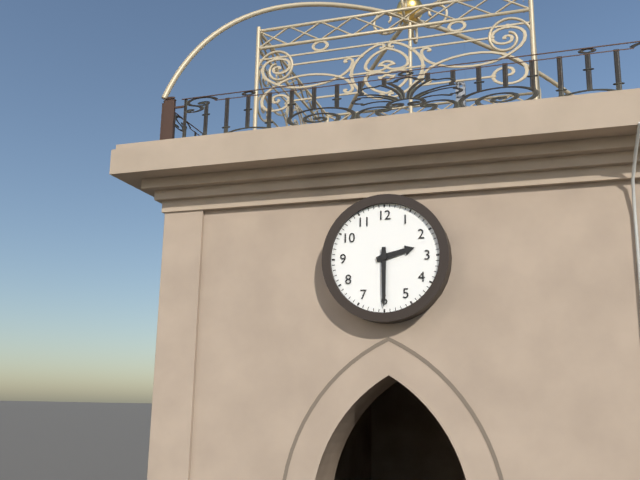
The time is 2:30
